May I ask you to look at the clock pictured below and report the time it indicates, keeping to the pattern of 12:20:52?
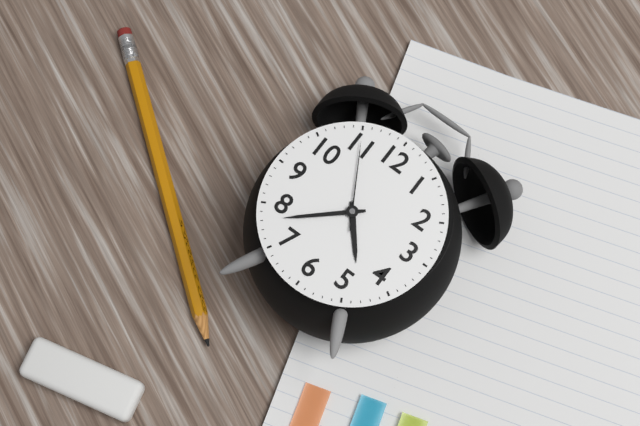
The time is 4:38:55
